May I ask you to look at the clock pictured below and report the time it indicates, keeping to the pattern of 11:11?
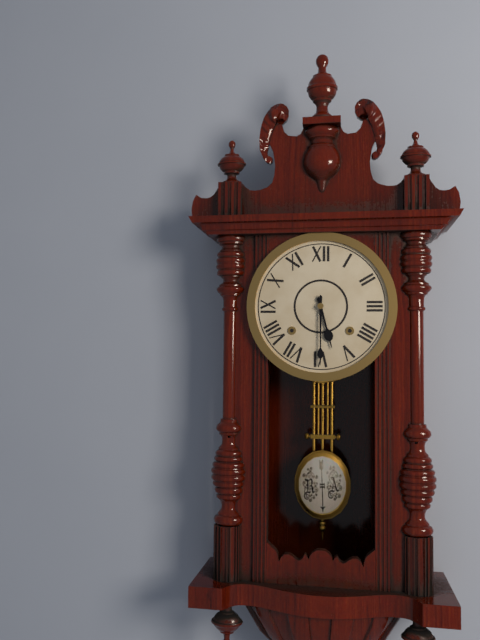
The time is 5:30
